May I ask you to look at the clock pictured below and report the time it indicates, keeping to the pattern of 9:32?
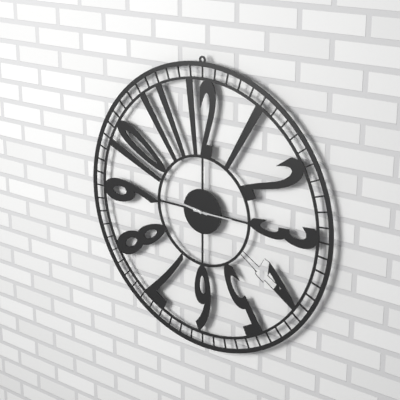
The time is 9:15
